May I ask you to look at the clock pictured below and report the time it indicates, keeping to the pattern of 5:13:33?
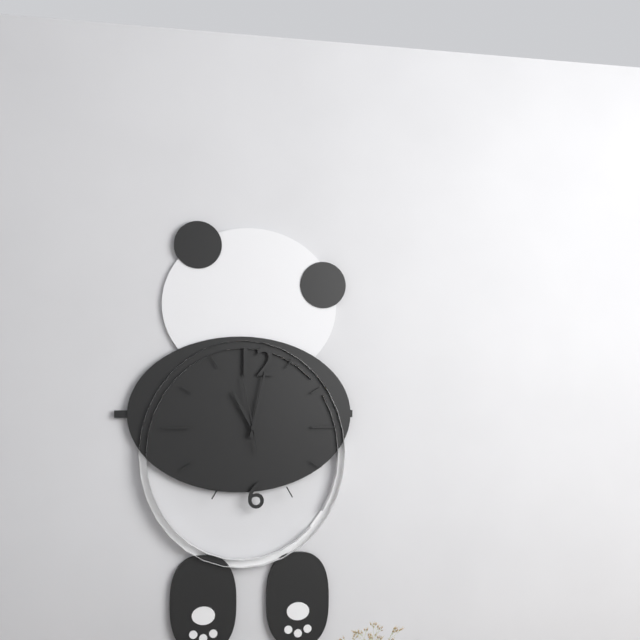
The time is 11:02:58
